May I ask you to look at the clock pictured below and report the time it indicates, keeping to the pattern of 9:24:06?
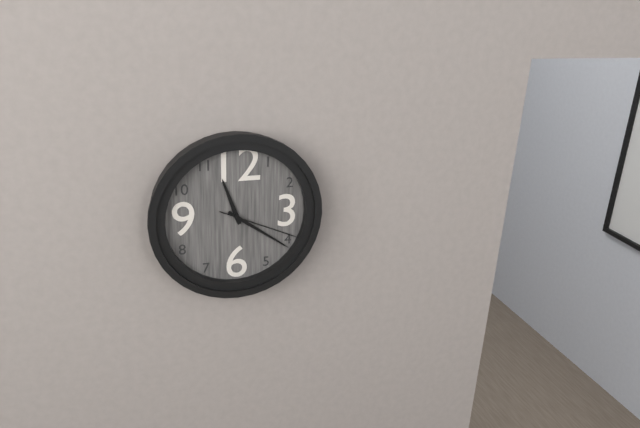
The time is 11:21:19
